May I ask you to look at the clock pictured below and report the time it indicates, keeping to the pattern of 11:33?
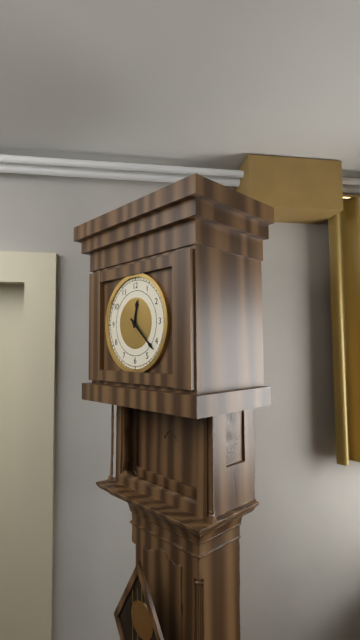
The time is 12:22
